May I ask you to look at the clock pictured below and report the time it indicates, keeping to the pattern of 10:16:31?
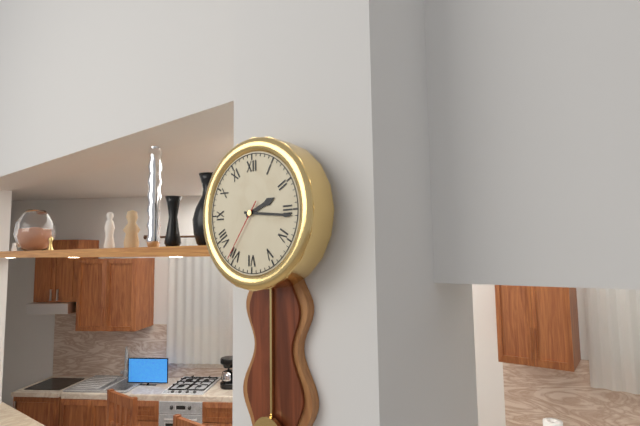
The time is 2:16:36
